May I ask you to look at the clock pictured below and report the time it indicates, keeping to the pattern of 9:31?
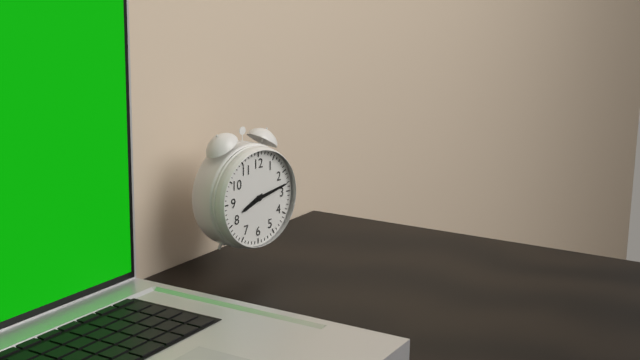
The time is 8:13
